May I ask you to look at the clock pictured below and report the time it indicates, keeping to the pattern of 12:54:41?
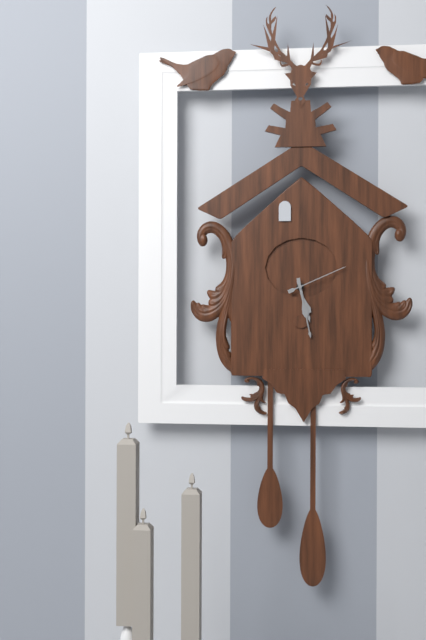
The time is 5:28:11
